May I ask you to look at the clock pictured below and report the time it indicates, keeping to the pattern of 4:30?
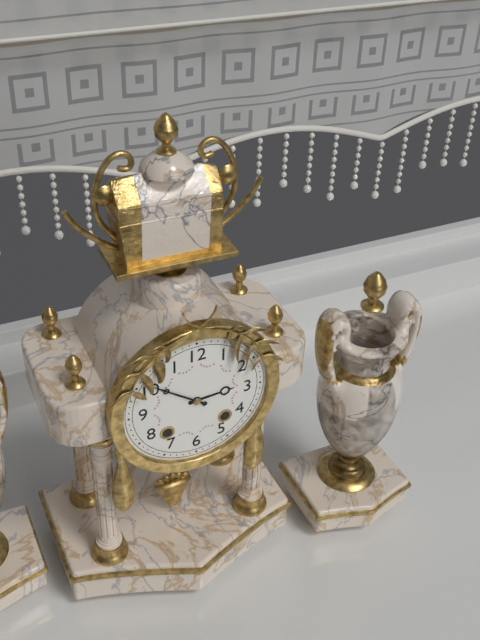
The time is 2:51
